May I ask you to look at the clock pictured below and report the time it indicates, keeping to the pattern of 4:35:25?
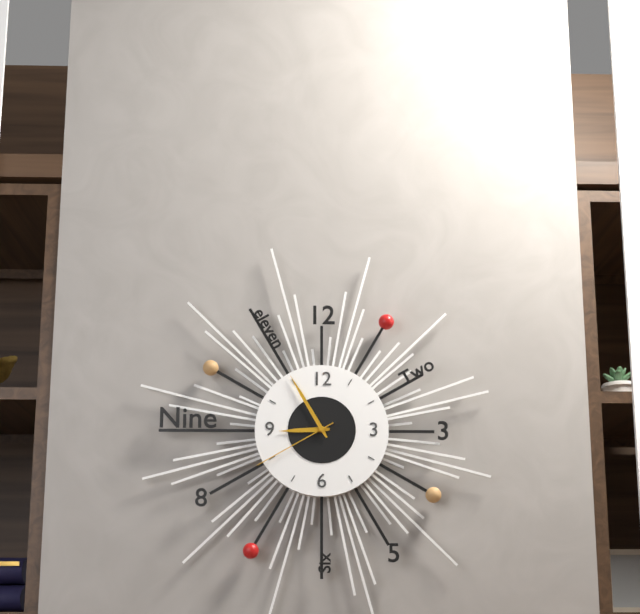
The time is 8:55:40
